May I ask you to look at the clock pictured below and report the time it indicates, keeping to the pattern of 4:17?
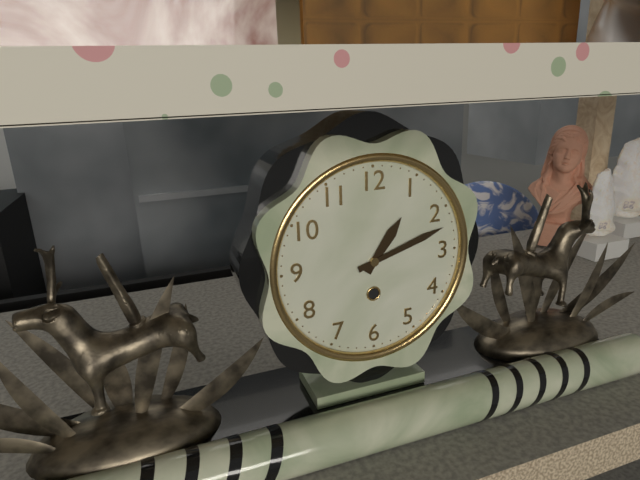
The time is 1:12
